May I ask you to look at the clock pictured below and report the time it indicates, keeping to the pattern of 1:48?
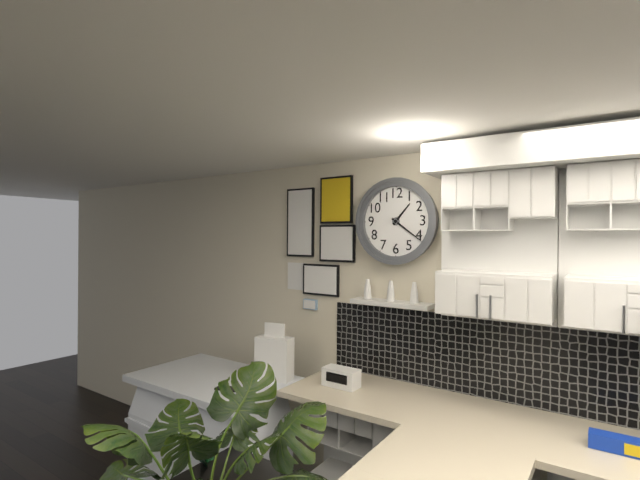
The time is 1:21
